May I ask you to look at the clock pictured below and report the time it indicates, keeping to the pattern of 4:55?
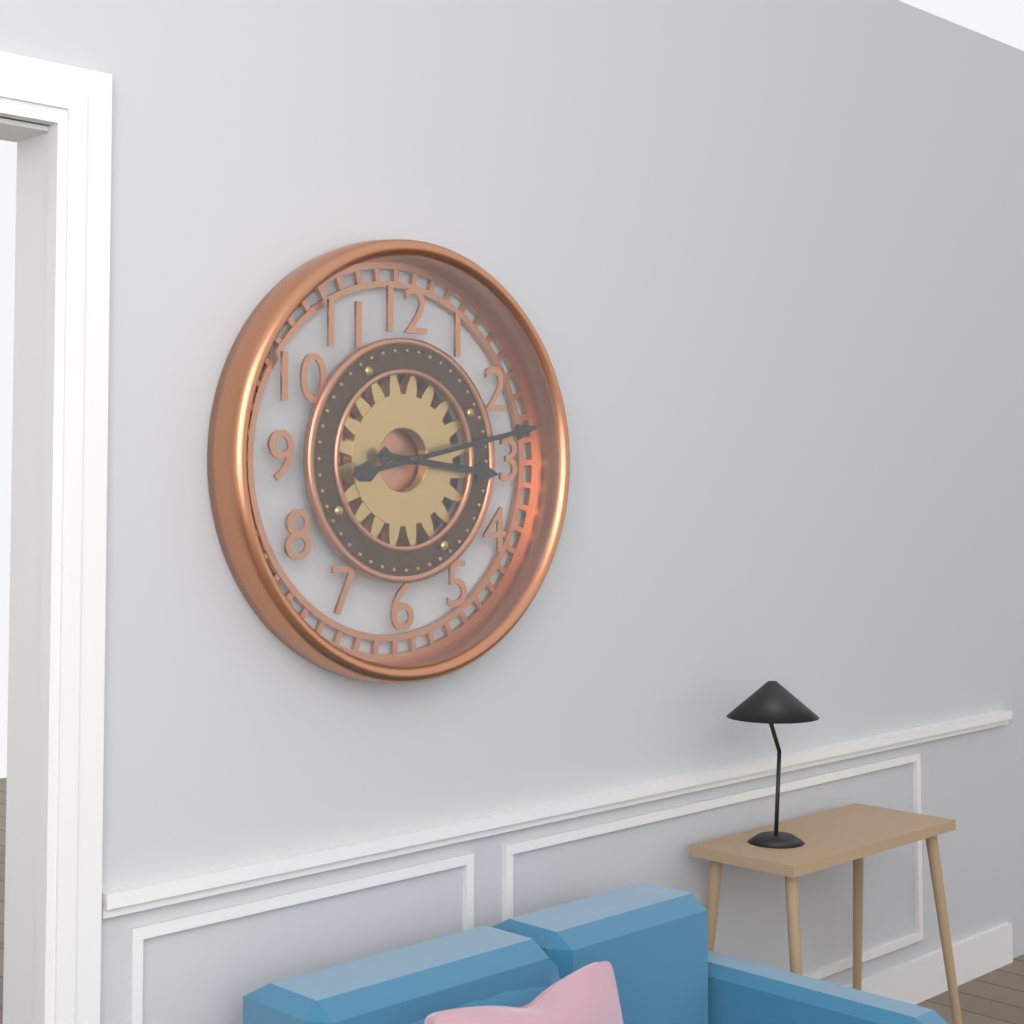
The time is 3:13
